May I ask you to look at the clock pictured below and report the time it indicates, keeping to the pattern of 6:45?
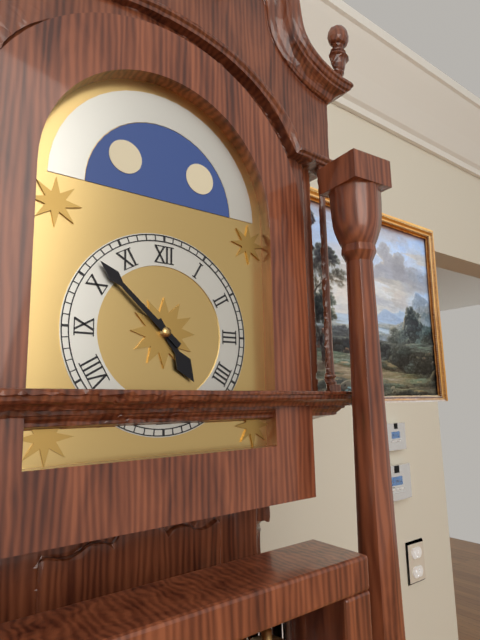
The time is 4:52
